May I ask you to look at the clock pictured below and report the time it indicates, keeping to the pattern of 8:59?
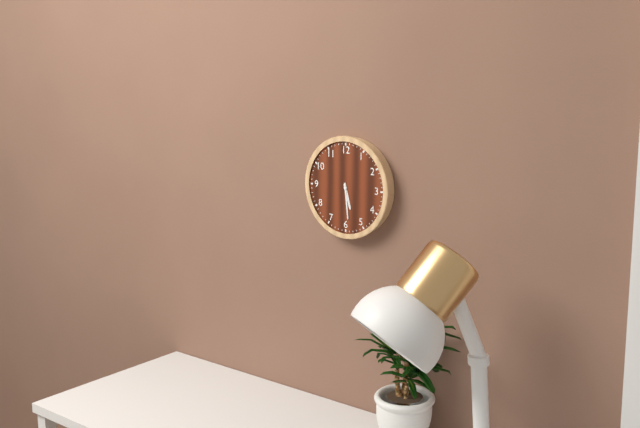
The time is 5:29
